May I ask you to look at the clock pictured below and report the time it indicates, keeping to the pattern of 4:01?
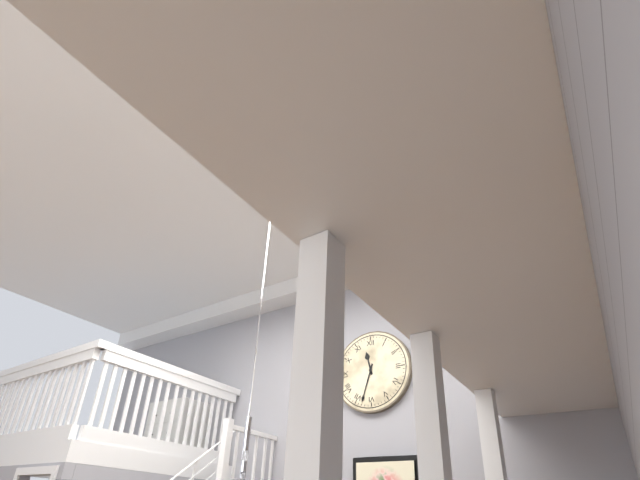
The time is 11:33
